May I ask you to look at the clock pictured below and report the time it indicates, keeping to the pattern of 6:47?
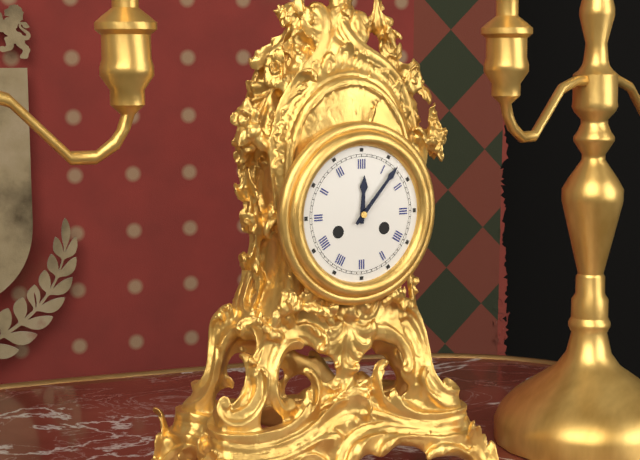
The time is 12:07
